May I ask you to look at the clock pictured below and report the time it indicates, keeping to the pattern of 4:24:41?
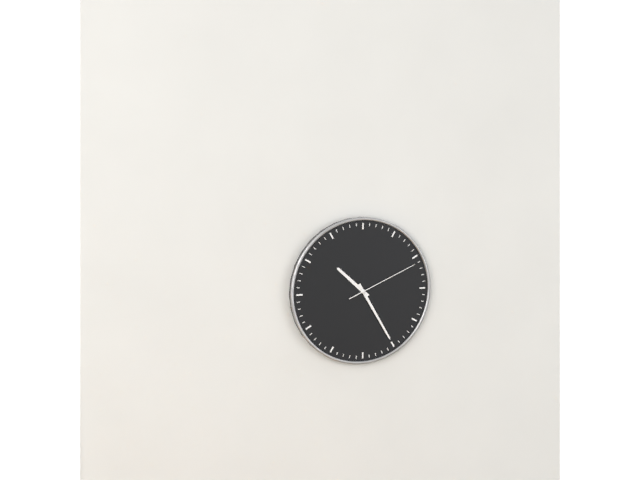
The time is 10:25:11
